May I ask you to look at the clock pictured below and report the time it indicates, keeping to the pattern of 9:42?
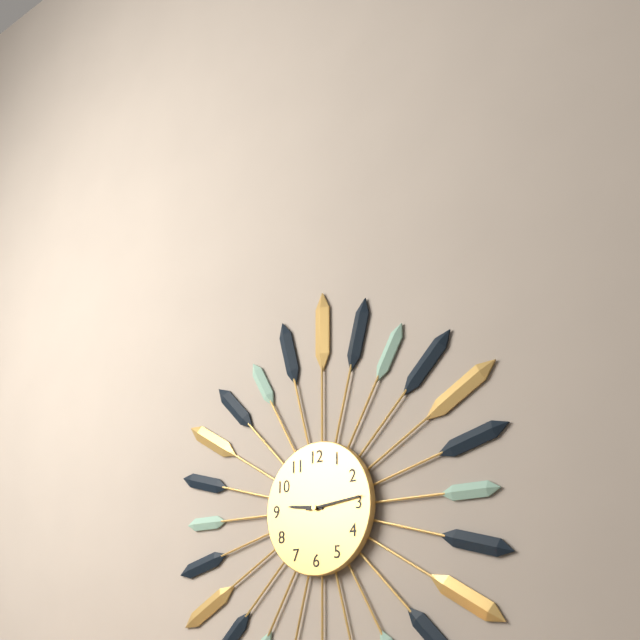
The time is 9:14
